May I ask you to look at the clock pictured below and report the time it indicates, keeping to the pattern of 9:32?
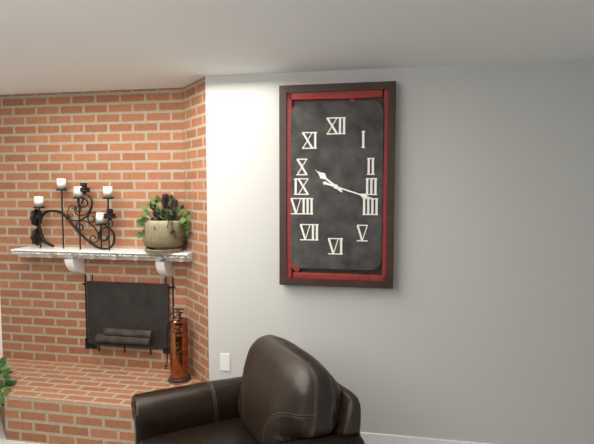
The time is 10:18
